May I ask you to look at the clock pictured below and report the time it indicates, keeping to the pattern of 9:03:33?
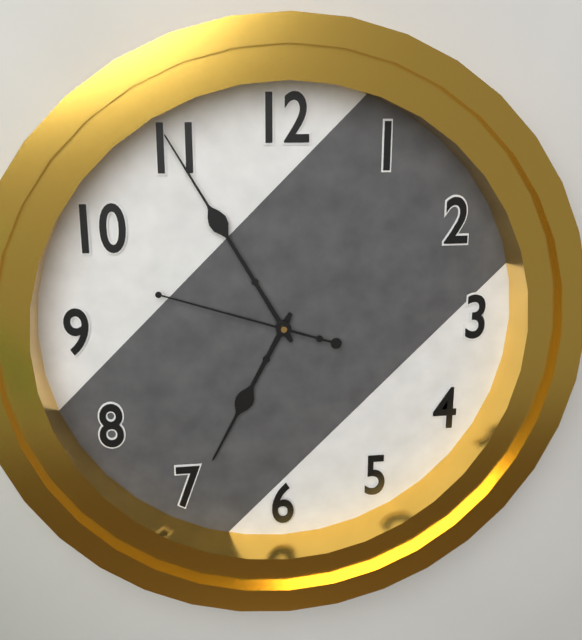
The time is 6:55:48
